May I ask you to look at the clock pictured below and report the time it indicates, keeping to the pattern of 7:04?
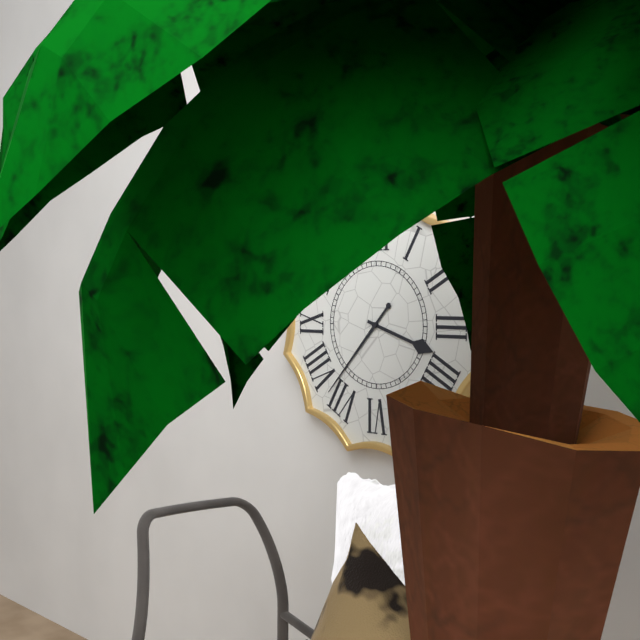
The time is 3:37
